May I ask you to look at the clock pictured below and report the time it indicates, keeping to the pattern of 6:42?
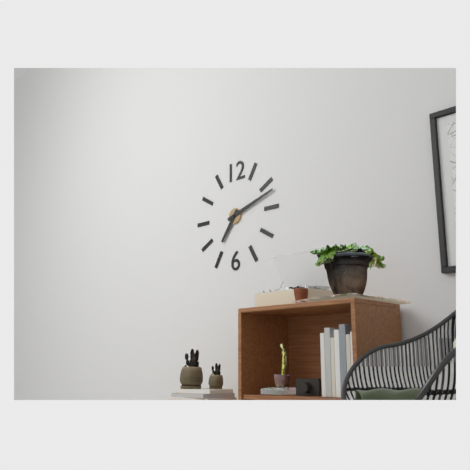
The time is 7:12
